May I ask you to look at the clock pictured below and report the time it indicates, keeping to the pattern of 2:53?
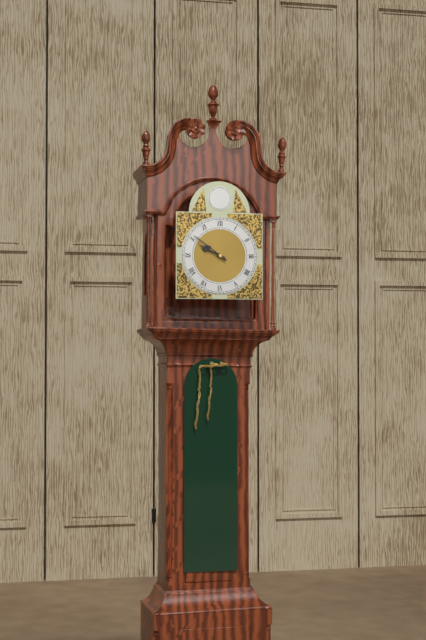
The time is 9:51
